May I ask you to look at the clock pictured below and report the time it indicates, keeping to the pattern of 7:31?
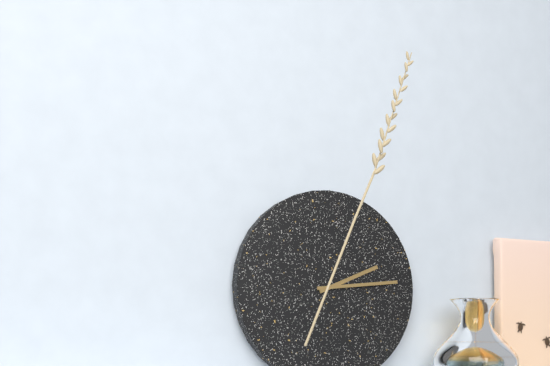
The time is 2:14
